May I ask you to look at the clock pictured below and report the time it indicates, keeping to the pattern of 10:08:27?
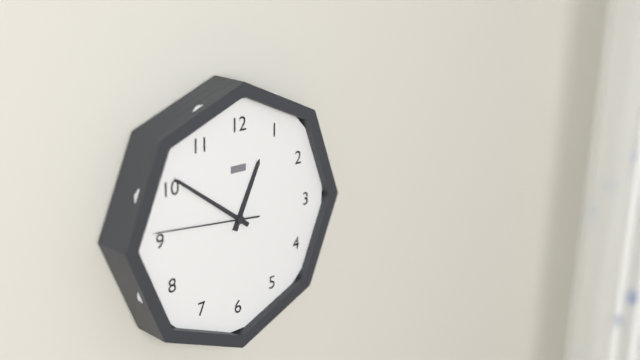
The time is 12:51:46
